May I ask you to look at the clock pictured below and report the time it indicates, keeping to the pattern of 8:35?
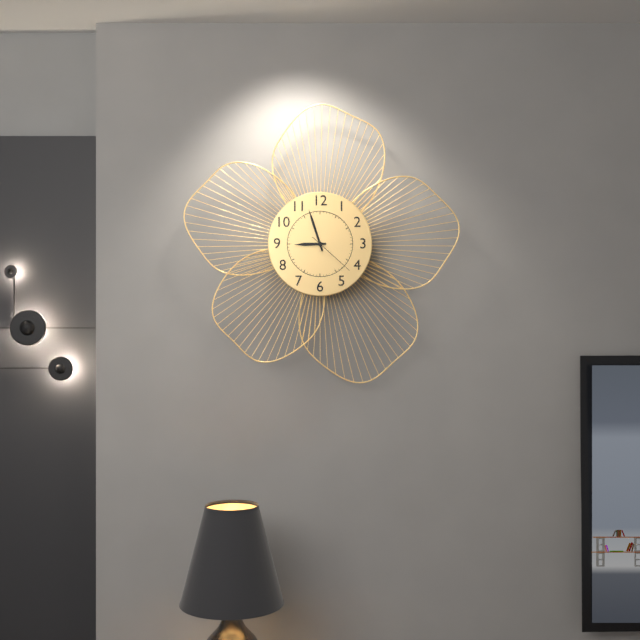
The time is 8:57
